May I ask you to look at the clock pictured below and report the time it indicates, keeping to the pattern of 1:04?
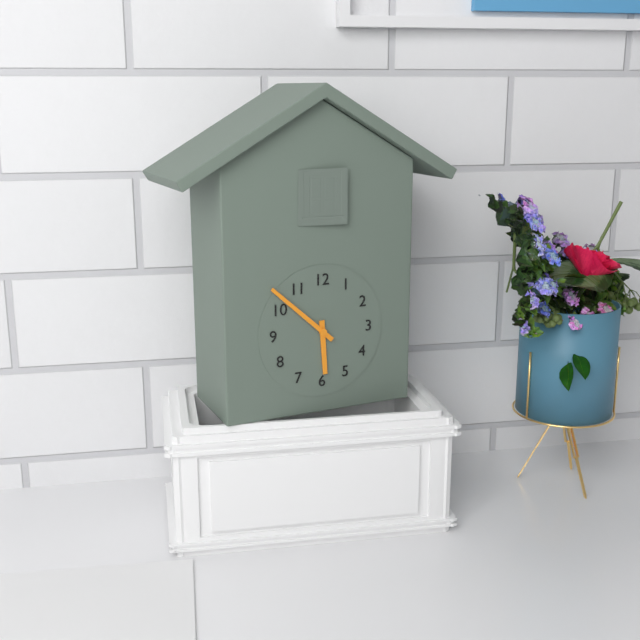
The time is 5:52
